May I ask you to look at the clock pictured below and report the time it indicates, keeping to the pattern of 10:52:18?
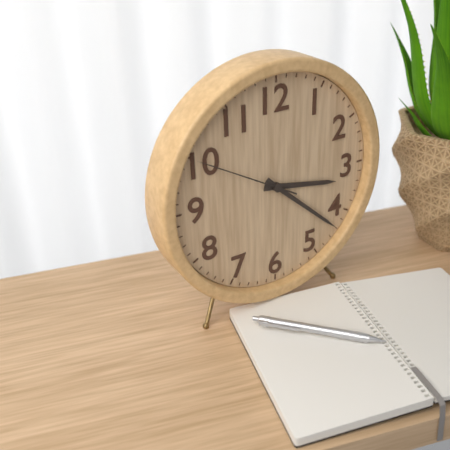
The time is 3:22:50
